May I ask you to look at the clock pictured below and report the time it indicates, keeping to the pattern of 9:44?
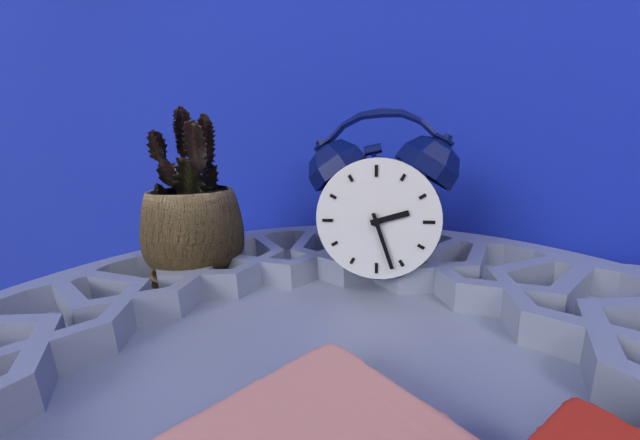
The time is 2:27
